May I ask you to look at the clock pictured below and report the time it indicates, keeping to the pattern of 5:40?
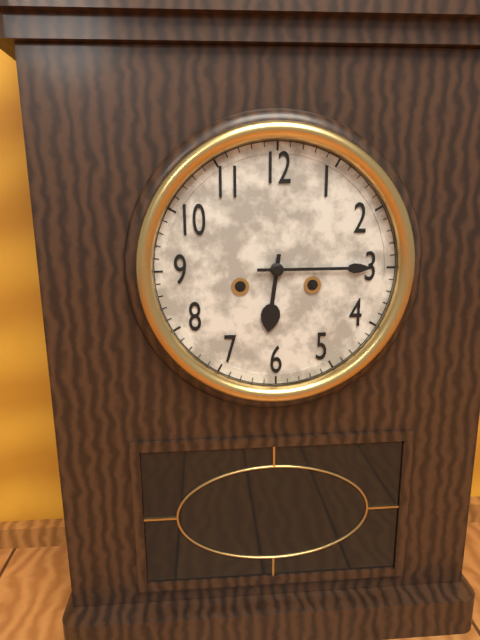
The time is 6:15
